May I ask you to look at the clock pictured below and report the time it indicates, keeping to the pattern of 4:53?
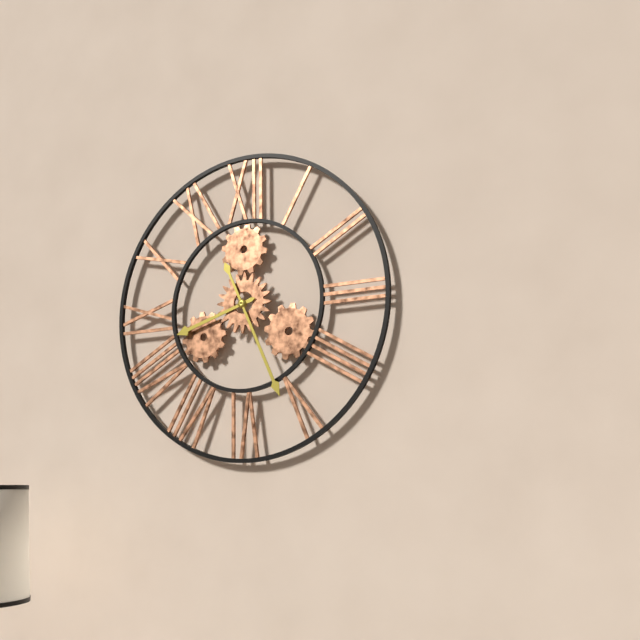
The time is 8:26
